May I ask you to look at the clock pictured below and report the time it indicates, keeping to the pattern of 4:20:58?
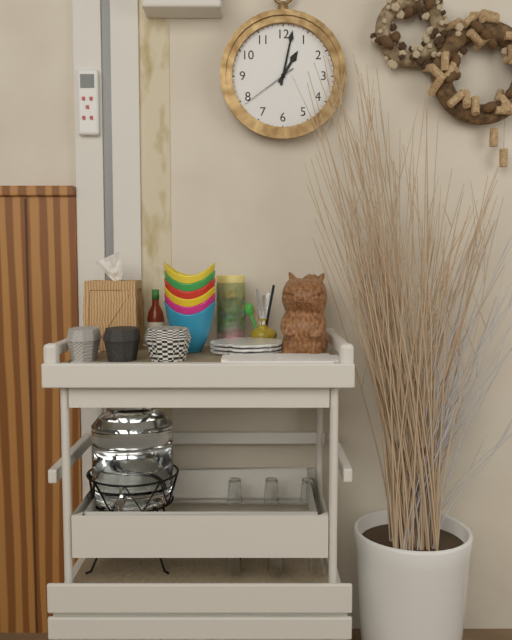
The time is 1:02:39
